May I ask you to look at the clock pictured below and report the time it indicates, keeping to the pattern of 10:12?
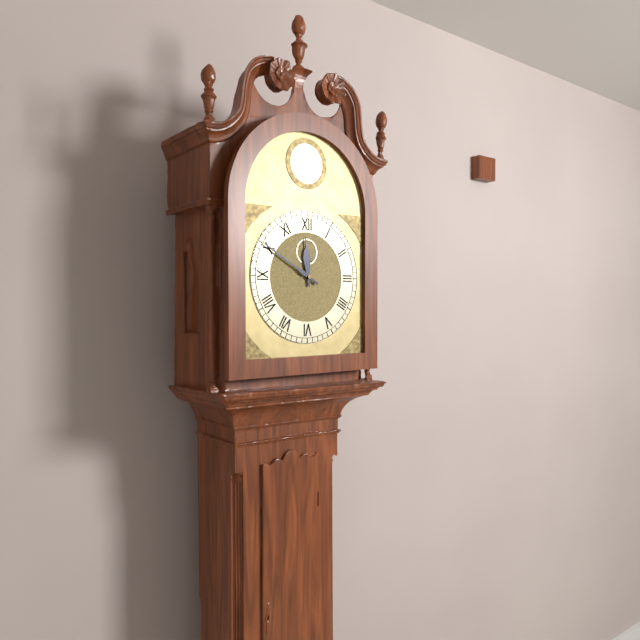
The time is 11:50
